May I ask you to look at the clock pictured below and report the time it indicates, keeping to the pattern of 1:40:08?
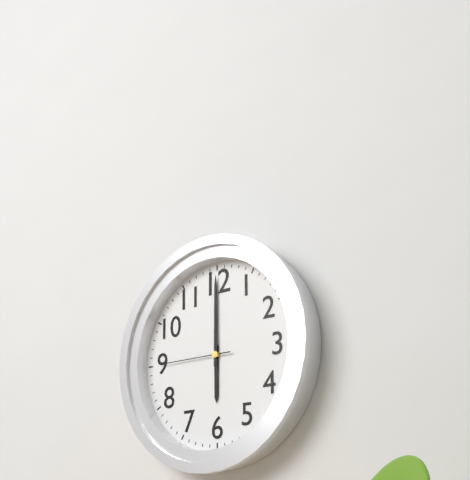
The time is 6:00:45
